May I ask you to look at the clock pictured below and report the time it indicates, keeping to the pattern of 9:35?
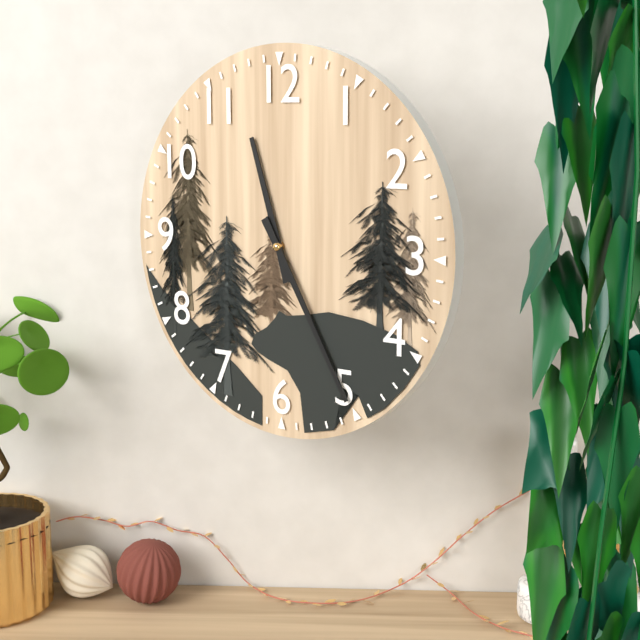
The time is 11:25
